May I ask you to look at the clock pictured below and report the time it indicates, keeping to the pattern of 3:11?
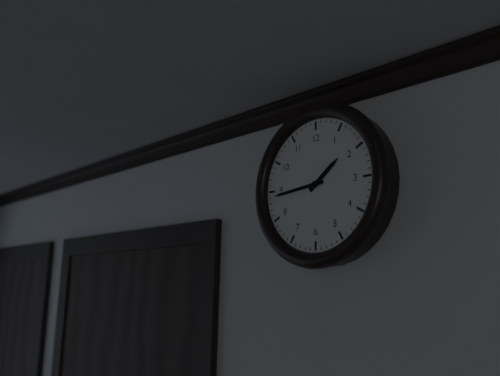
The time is 1:44
